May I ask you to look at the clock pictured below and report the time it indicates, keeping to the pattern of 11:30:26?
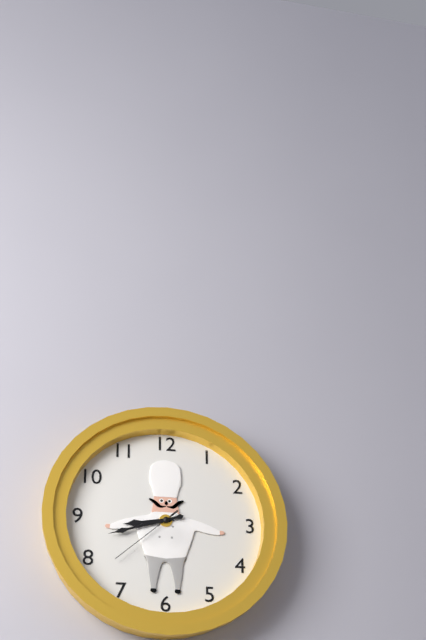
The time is 8:42:38
